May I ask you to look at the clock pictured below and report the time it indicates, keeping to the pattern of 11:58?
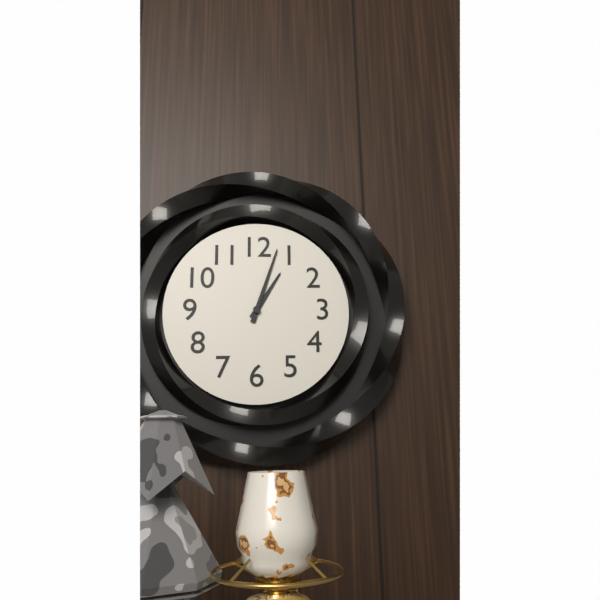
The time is 1:03
